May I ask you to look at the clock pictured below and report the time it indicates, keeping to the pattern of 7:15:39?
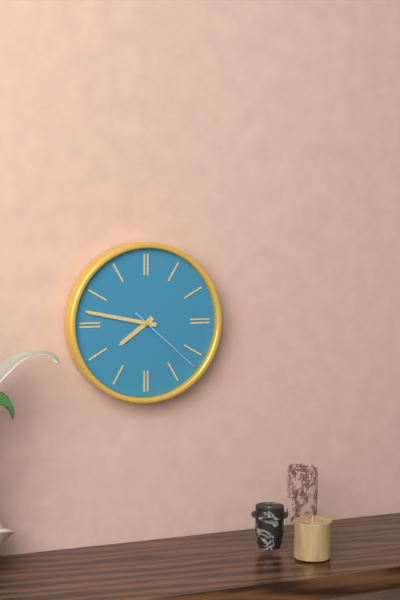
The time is 7:47:22
